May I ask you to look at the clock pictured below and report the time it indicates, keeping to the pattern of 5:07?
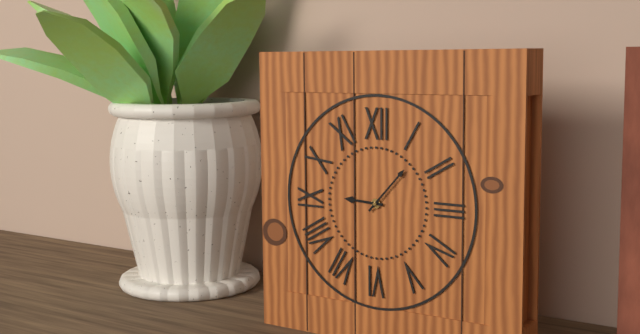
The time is 9:07
